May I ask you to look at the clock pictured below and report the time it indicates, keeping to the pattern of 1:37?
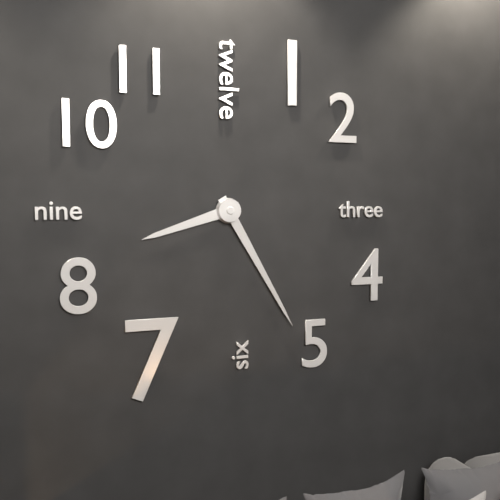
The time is 8:25
